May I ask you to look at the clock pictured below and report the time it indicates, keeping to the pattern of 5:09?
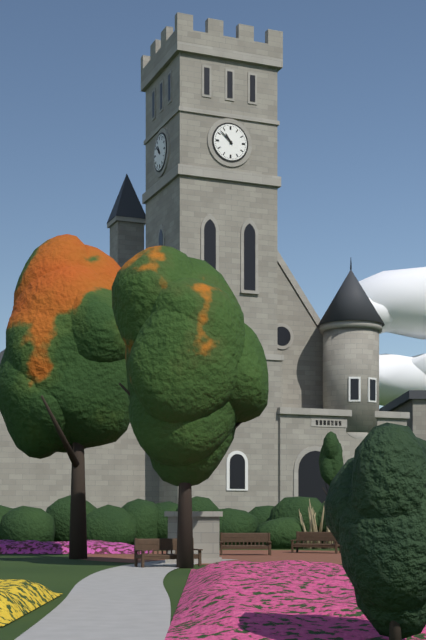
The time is 10:52
